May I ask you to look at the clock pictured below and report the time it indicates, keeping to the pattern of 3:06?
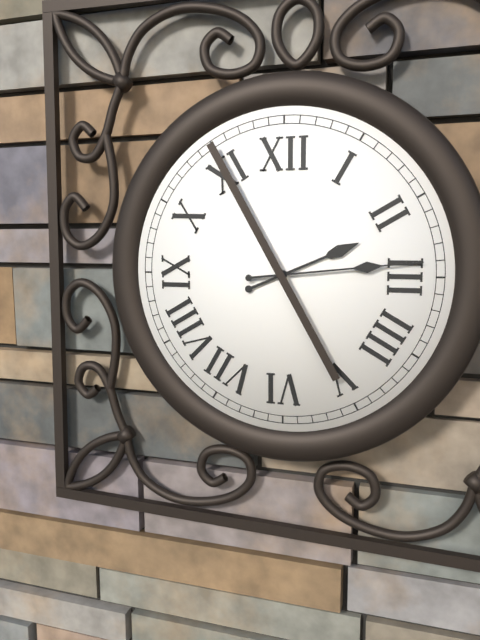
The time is 2:14
